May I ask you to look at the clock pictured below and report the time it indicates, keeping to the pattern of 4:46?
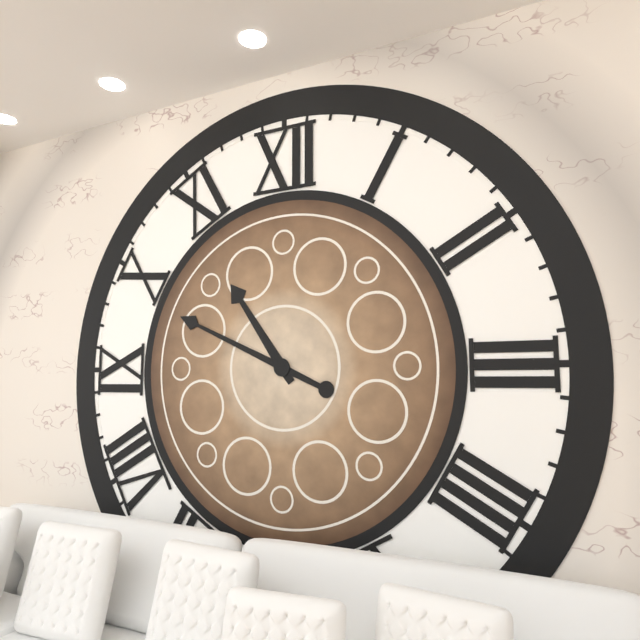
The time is 10:49
